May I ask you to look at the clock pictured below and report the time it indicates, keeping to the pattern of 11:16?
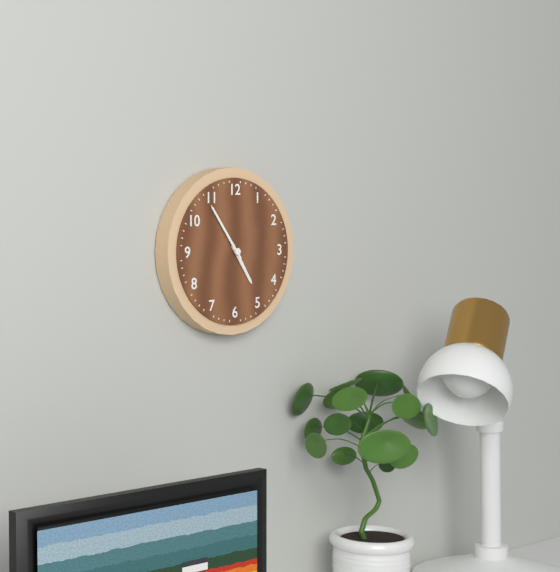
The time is 4:54
